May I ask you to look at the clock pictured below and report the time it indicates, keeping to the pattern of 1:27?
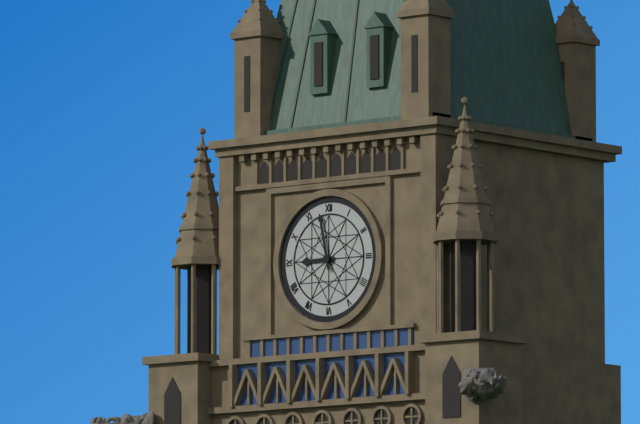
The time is 8:58
